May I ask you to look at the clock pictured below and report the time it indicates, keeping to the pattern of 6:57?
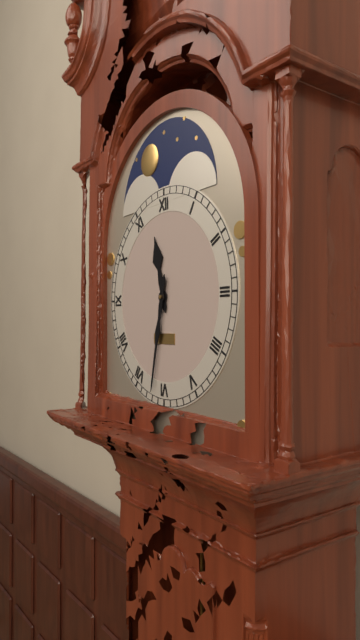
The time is 11:32
